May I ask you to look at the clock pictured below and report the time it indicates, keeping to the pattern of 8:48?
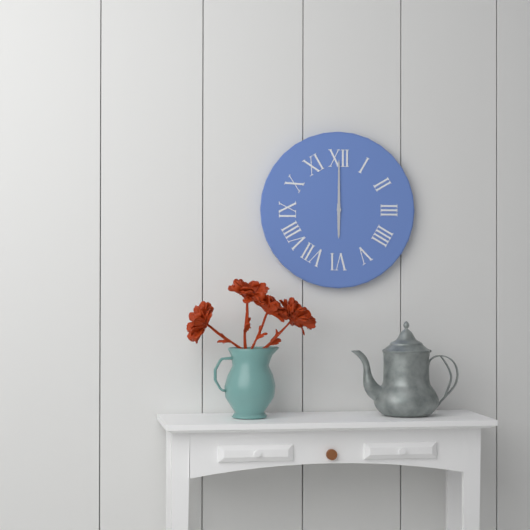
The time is 6:00
